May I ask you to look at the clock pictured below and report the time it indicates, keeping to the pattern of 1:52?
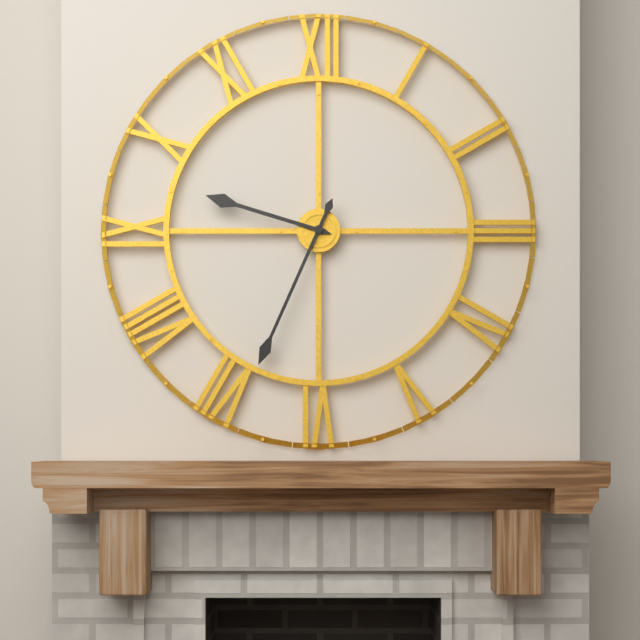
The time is 9:34
